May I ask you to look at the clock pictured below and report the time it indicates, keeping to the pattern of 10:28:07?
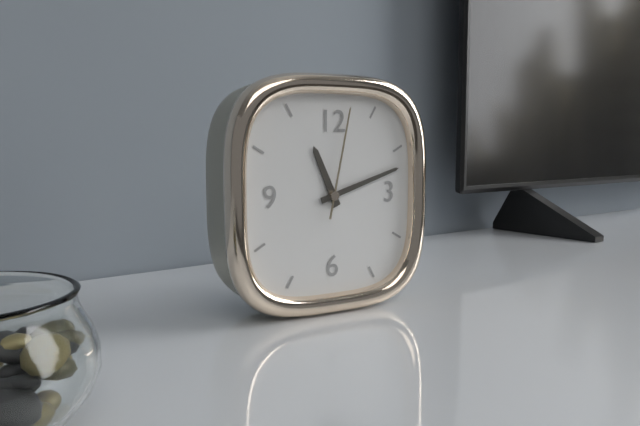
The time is 11:12:02
